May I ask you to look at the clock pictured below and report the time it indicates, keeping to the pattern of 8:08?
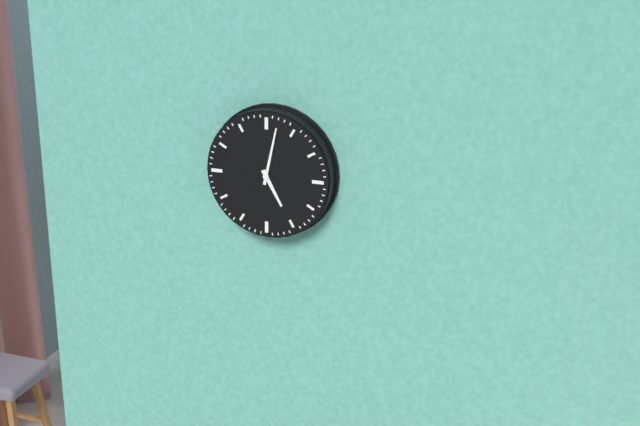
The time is 5:02
